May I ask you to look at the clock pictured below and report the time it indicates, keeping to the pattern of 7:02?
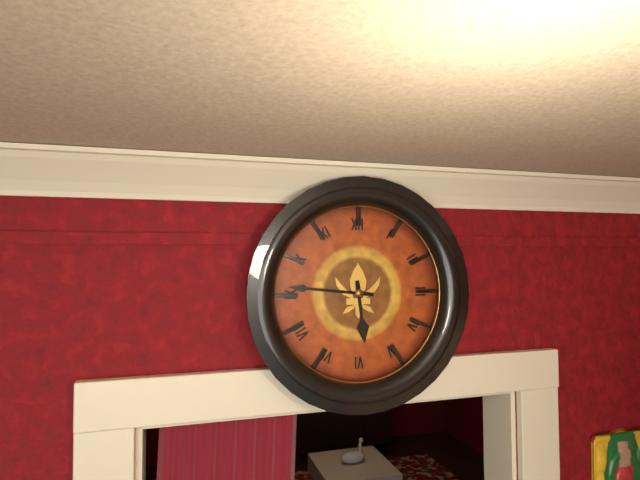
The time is 5:46
